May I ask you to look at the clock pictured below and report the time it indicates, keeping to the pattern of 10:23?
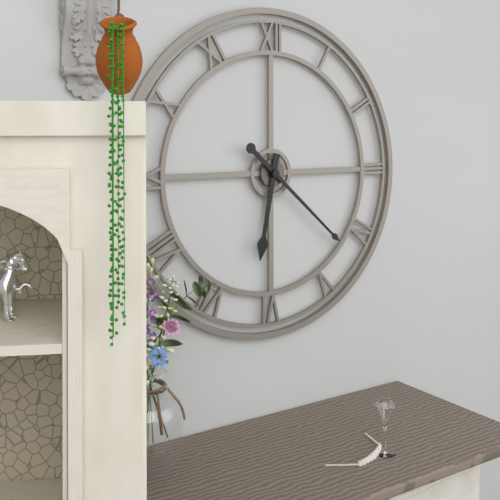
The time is 6:22
